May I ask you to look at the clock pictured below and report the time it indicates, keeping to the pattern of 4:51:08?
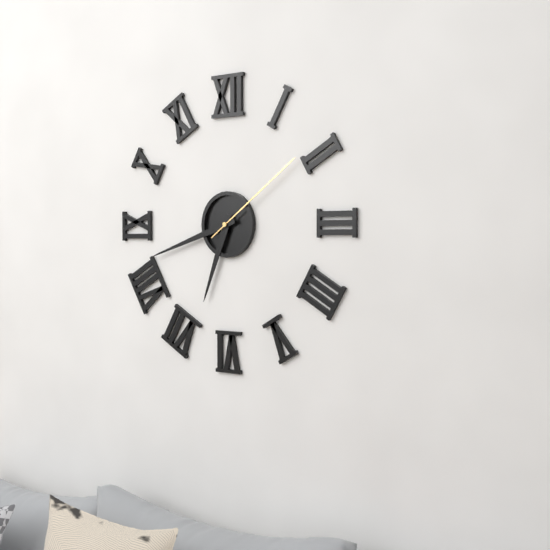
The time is 6:42:09
